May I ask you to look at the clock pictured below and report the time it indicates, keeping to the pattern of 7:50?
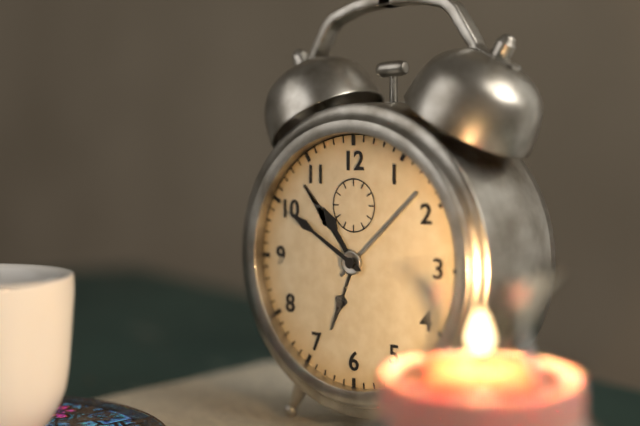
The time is 10:50
